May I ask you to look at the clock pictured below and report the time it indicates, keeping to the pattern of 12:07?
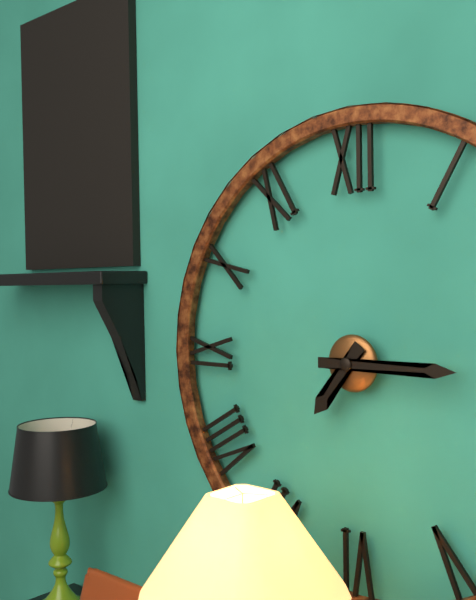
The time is 7:15
